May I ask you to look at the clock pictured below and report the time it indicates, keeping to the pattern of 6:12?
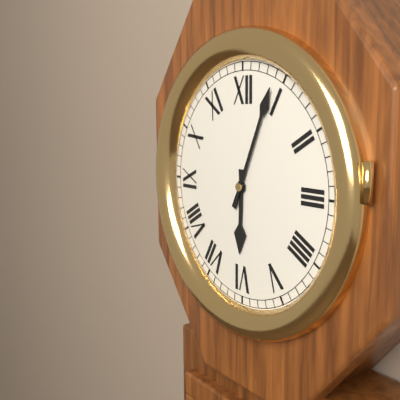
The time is 6:04
